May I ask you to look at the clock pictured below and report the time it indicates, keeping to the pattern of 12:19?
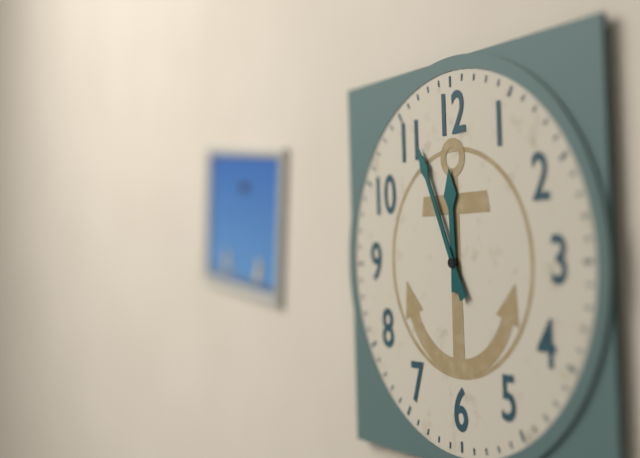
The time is 11:56
